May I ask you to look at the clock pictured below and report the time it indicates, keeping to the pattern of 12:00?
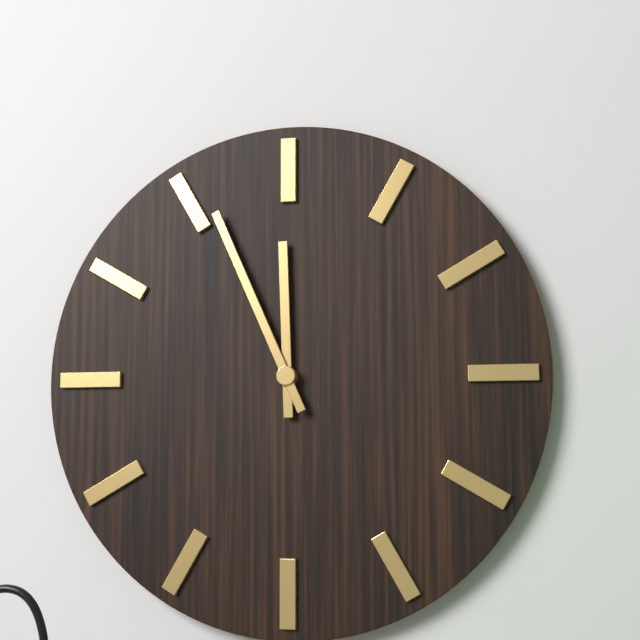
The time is 11:56
